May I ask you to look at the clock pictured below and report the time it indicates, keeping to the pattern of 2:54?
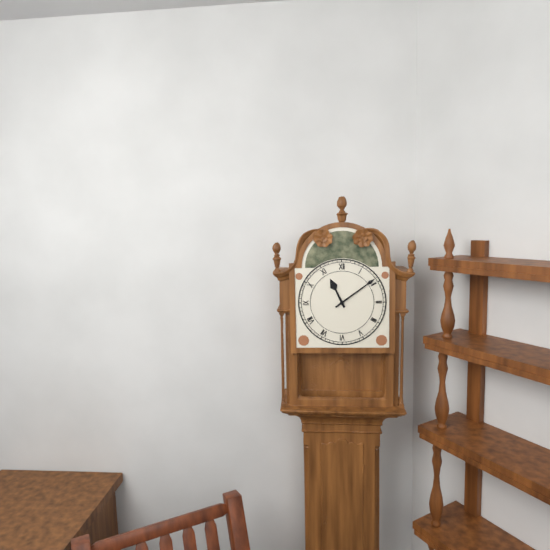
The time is 11:09
